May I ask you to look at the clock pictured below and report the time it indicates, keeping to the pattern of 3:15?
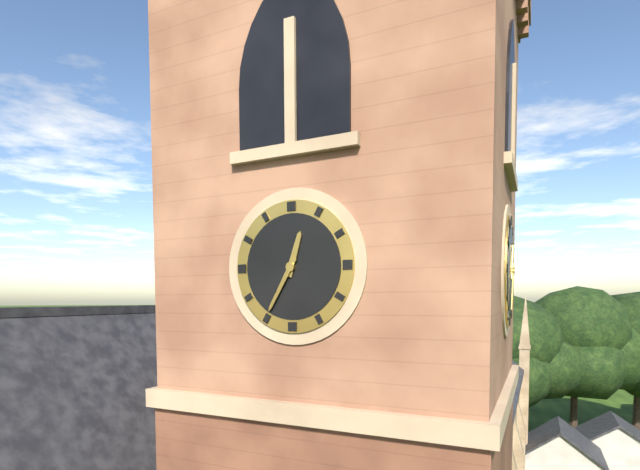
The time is 12:35
